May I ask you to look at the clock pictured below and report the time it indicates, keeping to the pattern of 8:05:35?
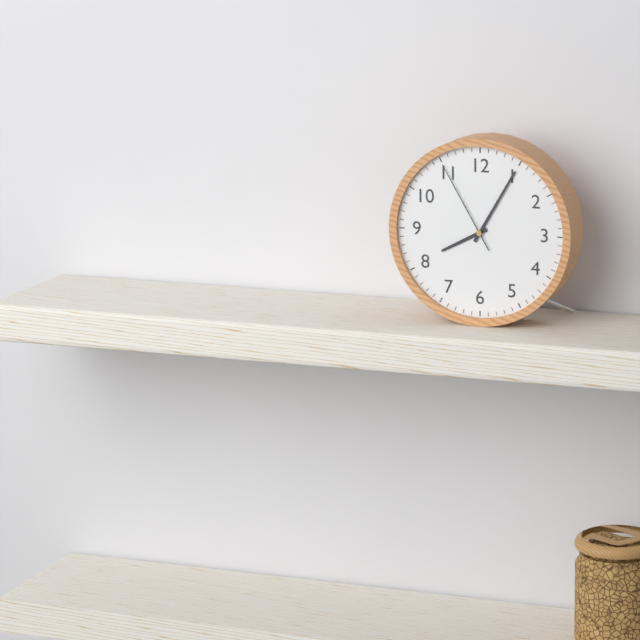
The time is 8:05:55
